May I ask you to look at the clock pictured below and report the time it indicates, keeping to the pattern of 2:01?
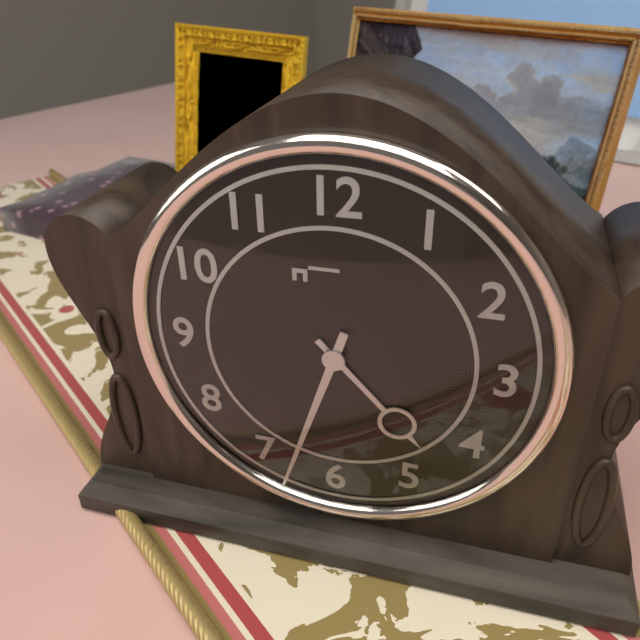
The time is 4:33
